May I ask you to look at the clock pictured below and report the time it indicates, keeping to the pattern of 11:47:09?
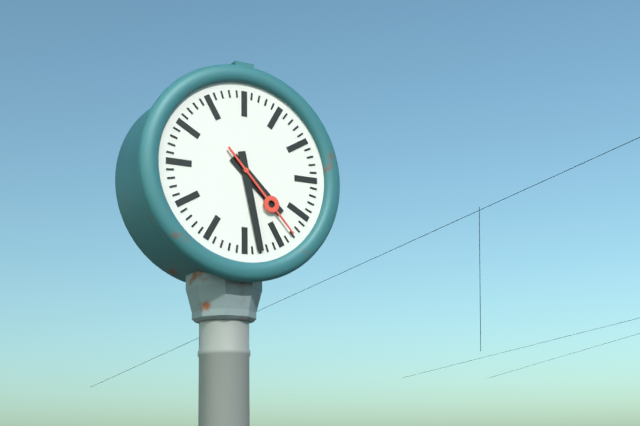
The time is 4:28:23
